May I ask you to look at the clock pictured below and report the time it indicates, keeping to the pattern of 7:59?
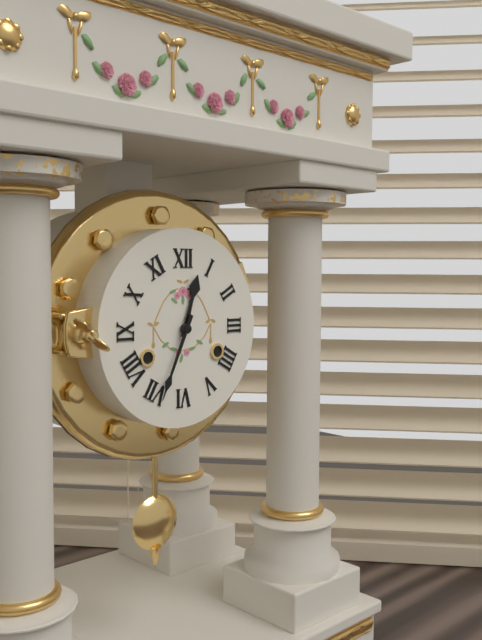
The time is 12:34
